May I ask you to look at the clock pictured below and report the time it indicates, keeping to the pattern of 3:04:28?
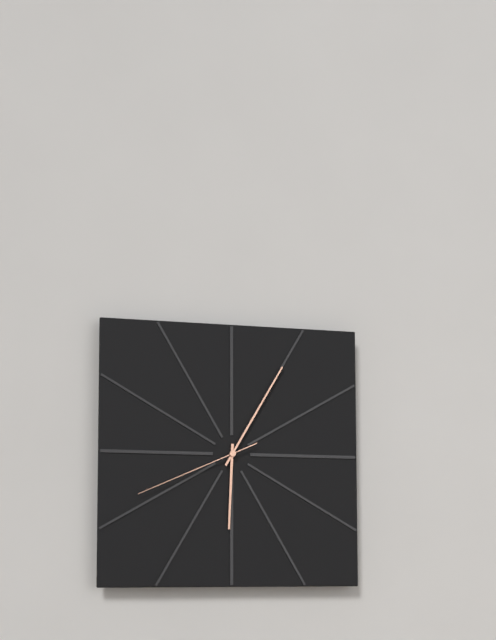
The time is 6:05:41
